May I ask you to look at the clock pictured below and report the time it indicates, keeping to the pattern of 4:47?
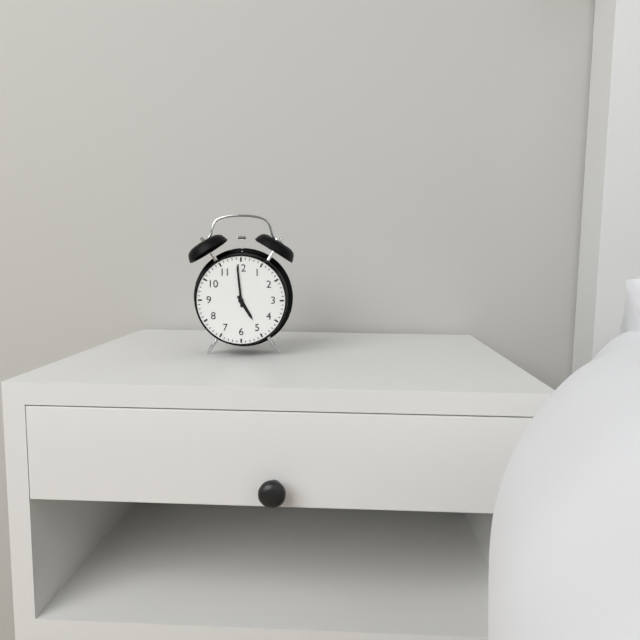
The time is 4:59
